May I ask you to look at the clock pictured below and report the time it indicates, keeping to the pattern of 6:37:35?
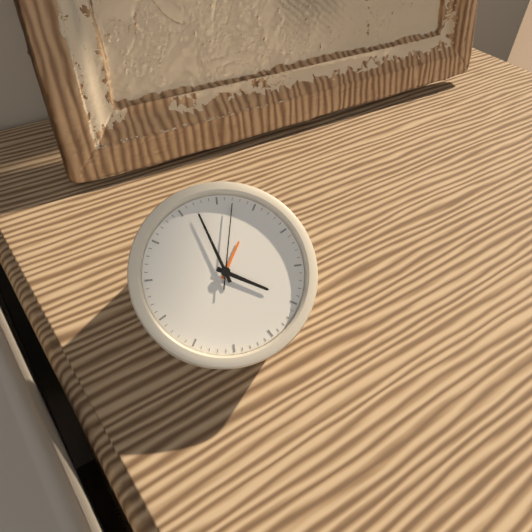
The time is 3:57:02
